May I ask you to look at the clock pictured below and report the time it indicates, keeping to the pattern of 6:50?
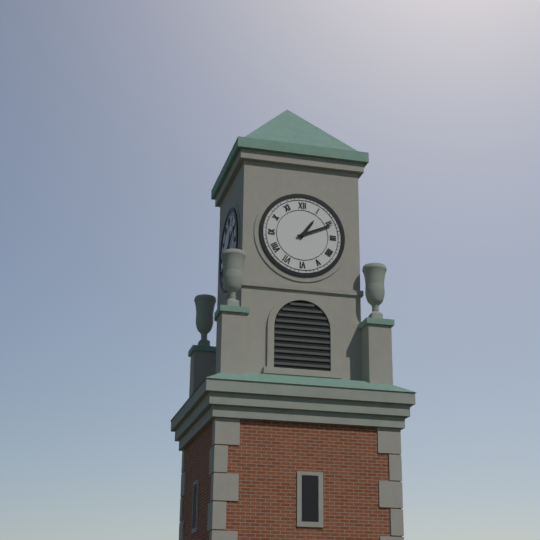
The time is 1:11
